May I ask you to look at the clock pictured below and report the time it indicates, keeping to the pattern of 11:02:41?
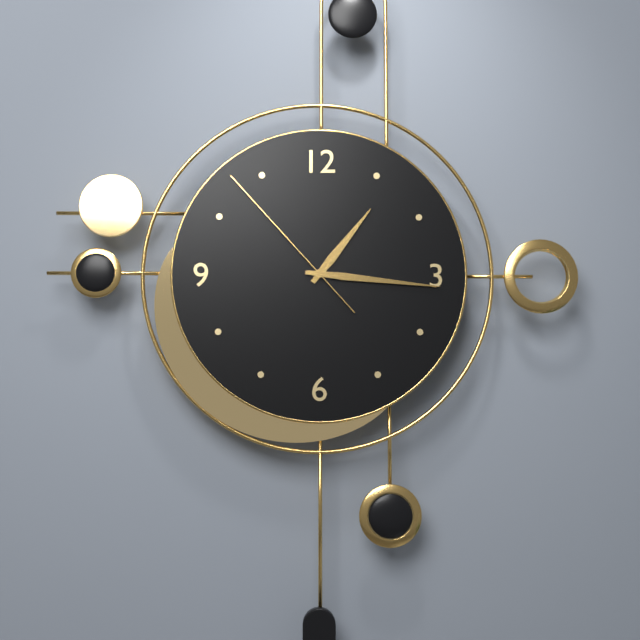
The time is 1:16:53
